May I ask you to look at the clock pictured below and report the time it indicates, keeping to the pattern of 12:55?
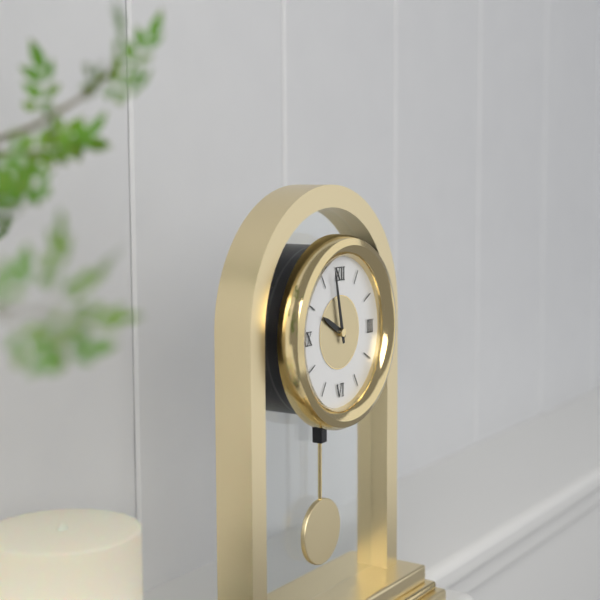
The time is 9:58
